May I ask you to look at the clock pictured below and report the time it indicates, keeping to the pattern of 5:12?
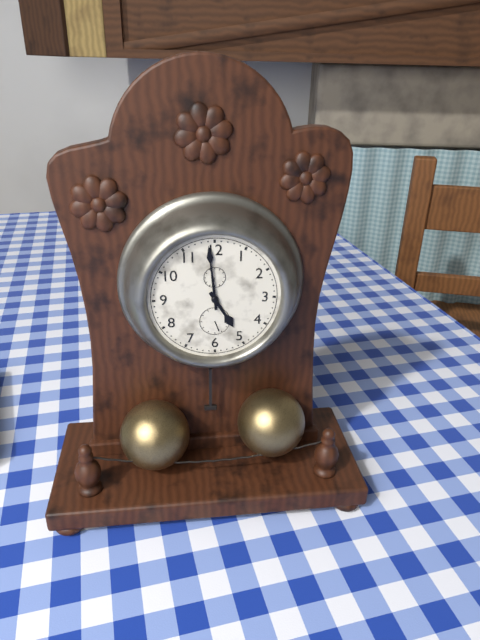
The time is 4:59
